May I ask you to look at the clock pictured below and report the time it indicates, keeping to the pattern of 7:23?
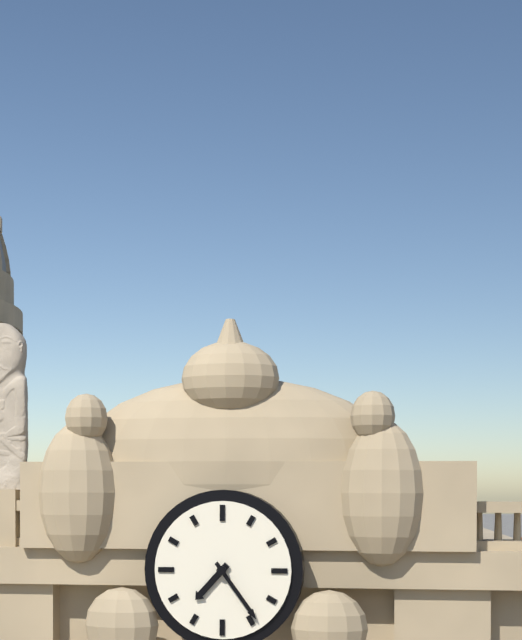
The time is 7:24
